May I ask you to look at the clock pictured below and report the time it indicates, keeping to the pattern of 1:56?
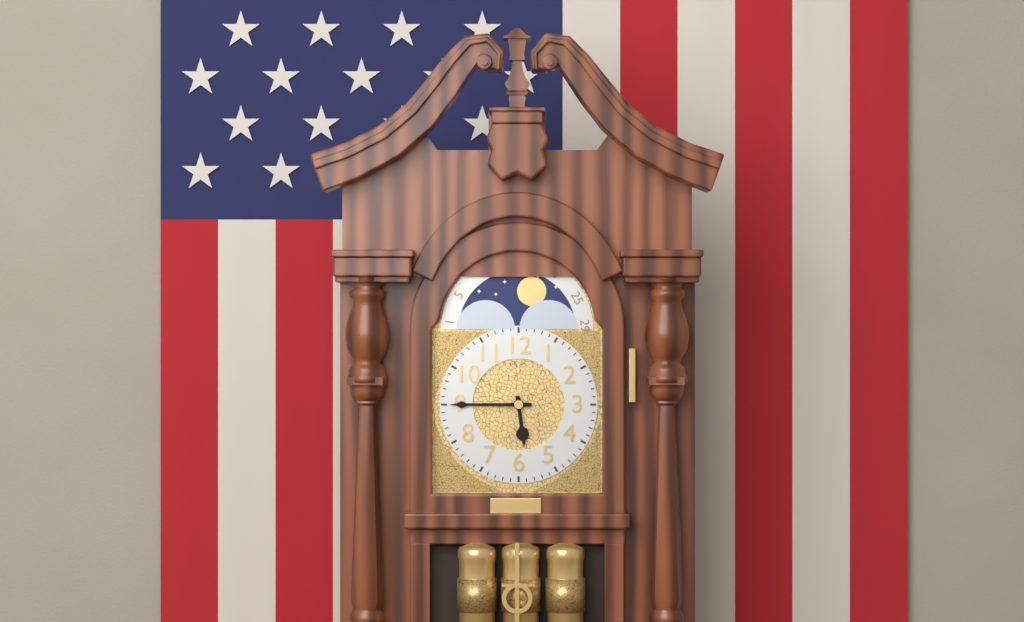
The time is 5:45
